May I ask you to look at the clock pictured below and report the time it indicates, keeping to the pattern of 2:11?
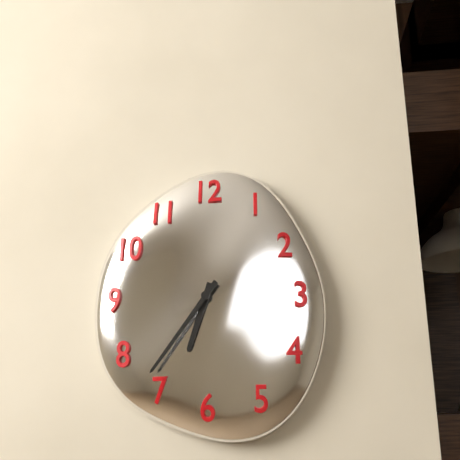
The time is 6:36
